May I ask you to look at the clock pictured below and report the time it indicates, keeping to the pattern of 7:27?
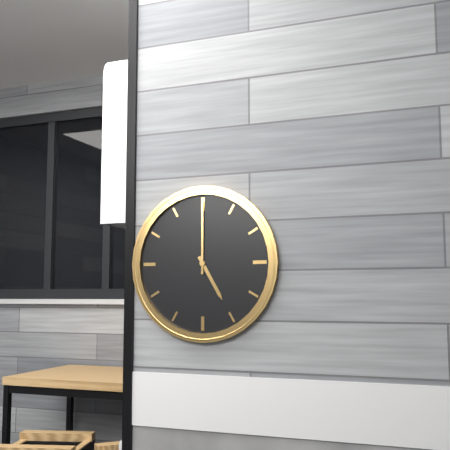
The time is 5:00
